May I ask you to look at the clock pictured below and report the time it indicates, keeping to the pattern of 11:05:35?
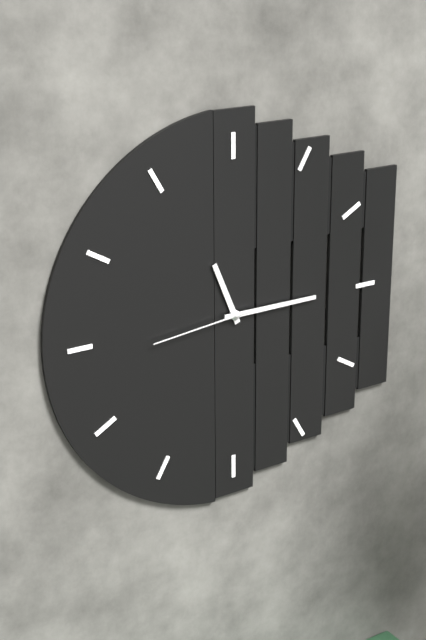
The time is 11:15:44
